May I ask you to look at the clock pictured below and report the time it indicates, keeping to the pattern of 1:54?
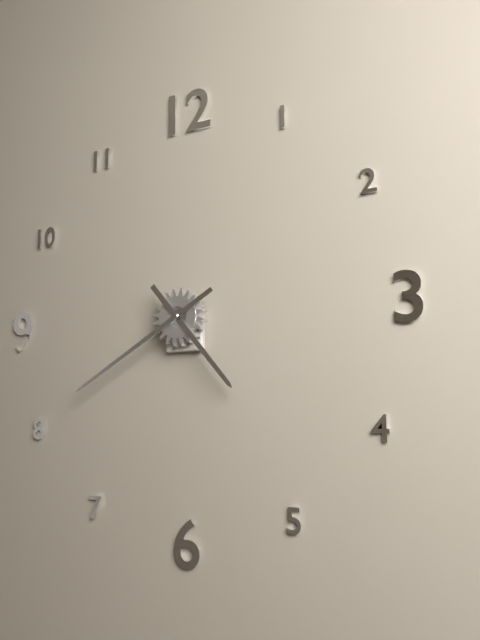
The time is 4:40
